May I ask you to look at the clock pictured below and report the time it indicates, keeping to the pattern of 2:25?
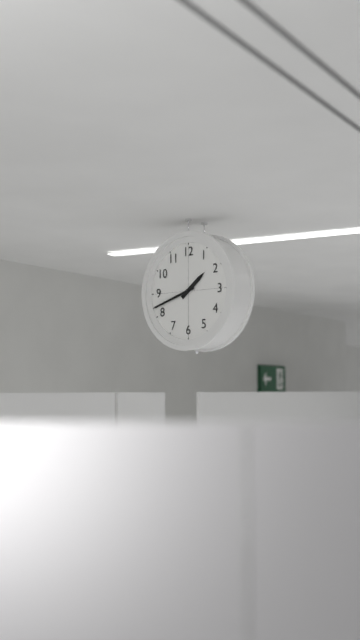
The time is 1:42
